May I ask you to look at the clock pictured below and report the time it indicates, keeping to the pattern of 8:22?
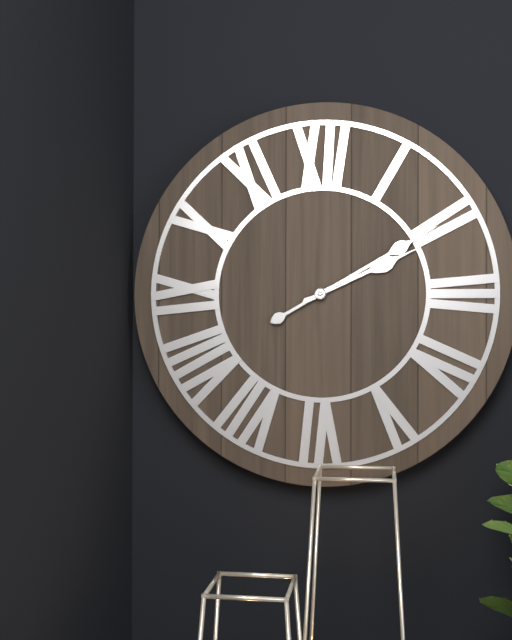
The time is 2:10
